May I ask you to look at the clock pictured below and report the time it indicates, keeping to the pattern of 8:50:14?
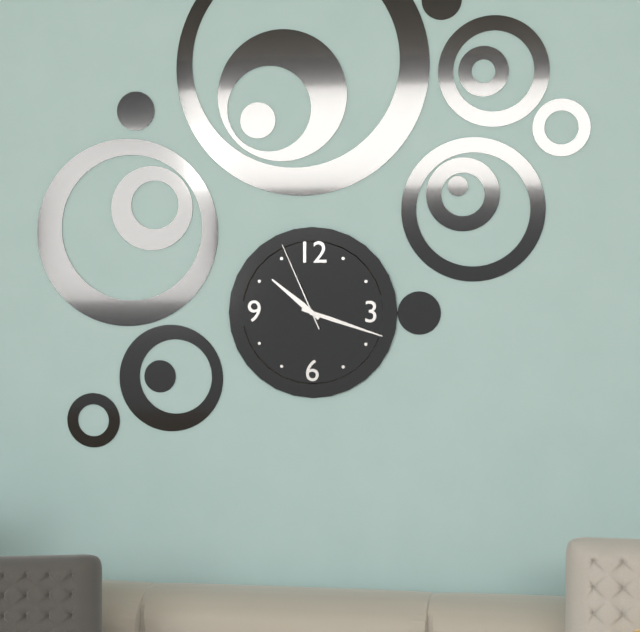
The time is 10:18:56
